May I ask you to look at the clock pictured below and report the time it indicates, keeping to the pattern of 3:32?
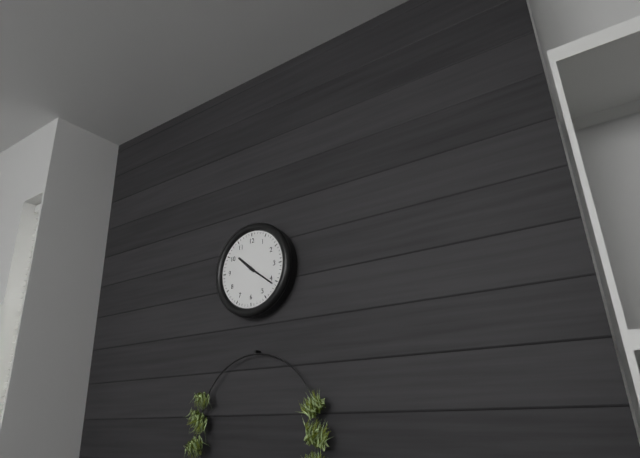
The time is 10:21
